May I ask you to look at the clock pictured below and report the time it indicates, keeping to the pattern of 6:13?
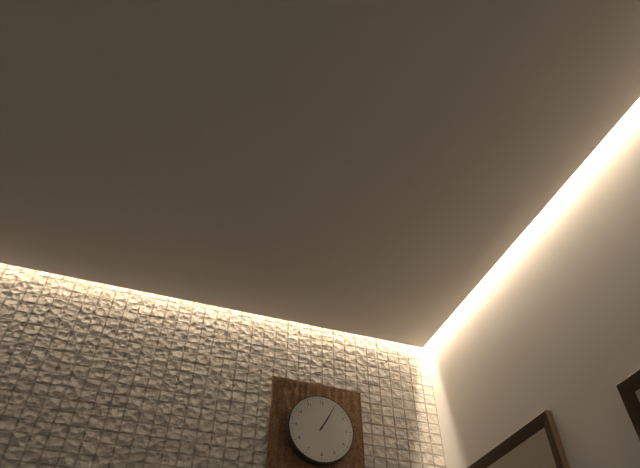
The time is 1:05
